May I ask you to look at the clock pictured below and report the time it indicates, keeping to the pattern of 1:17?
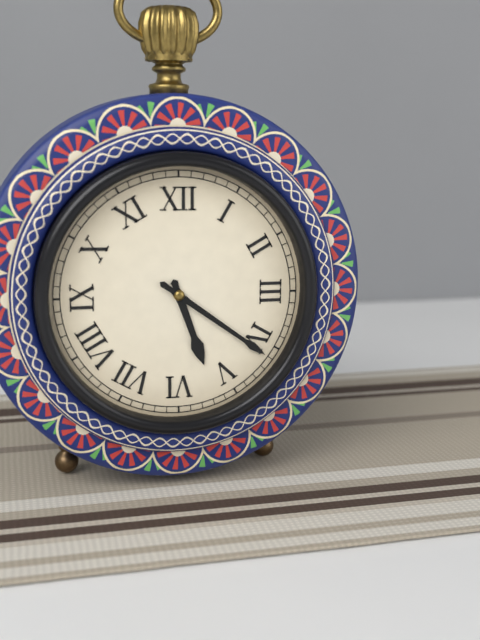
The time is 5:21
